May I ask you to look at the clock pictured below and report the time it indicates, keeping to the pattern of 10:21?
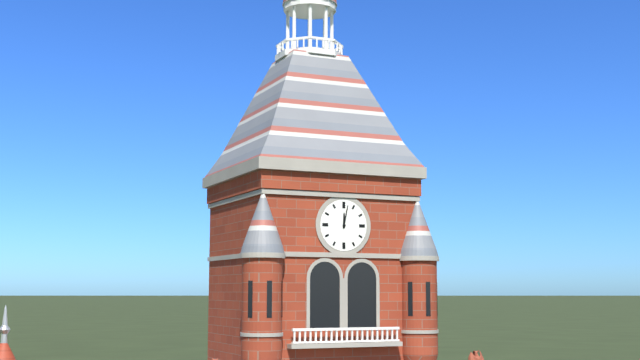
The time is 12:02
